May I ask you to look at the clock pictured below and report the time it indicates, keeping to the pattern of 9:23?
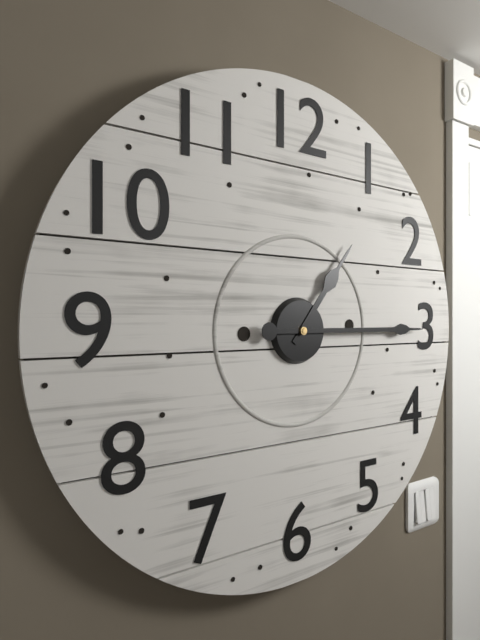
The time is 1:15
